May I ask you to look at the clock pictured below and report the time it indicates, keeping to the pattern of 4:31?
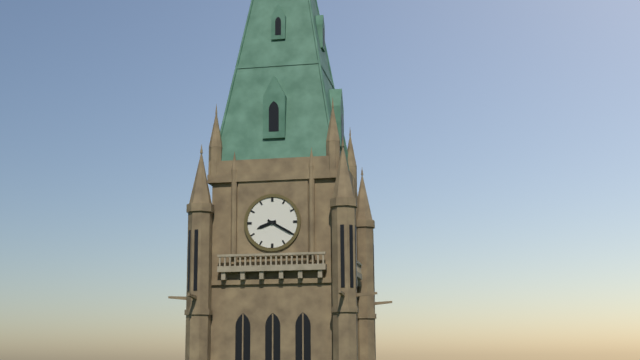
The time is 8:20
